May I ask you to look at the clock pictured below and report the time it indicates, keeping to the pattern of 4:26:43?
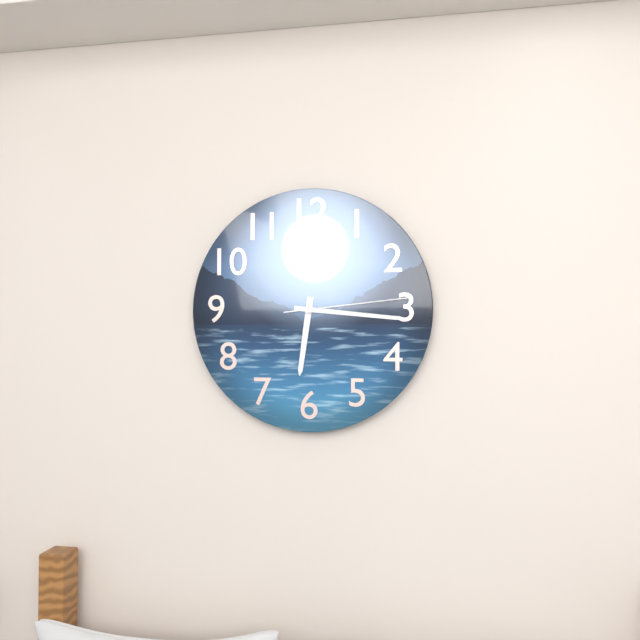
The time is 6:16:14
